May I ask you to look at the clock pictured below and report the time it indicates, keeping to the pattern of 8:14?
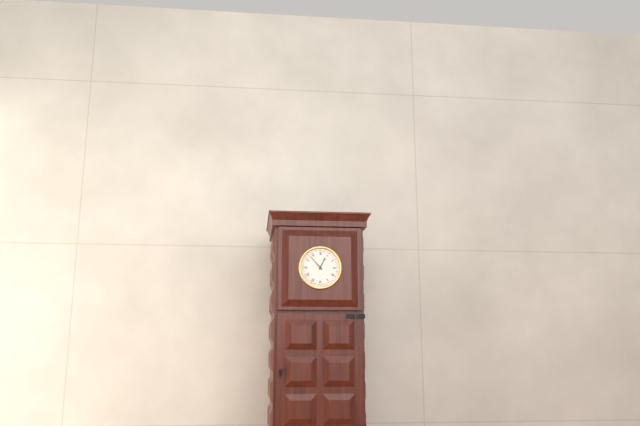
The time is 12:53
